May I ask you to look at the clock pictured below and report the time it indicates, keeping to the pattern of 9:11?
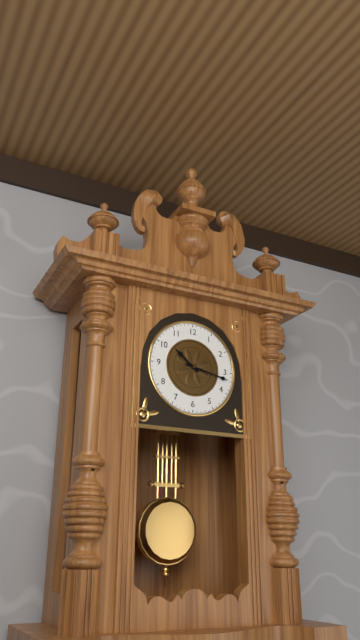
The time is 10:17
